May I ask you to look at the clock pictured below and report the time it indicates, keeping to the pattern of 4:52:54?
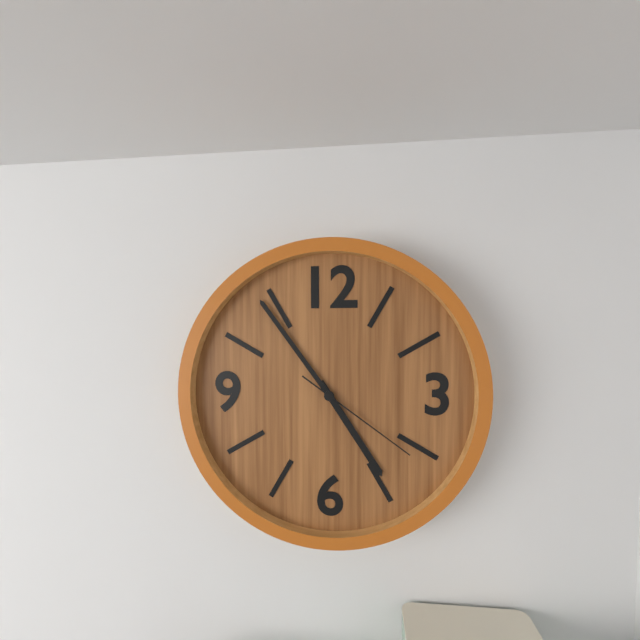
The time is 4:54:21
